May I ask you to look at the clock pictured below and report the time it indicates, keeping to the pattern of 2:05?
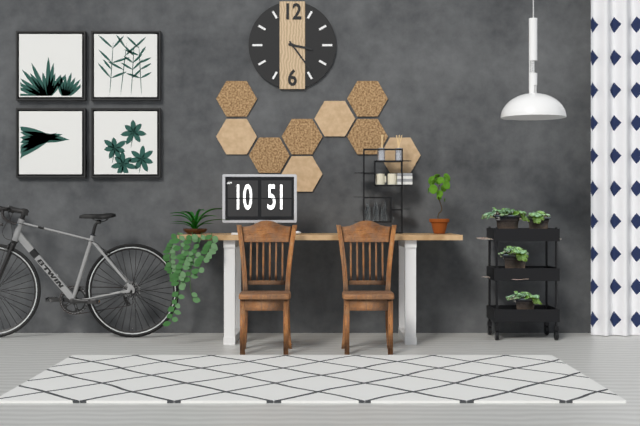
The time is 3:24
